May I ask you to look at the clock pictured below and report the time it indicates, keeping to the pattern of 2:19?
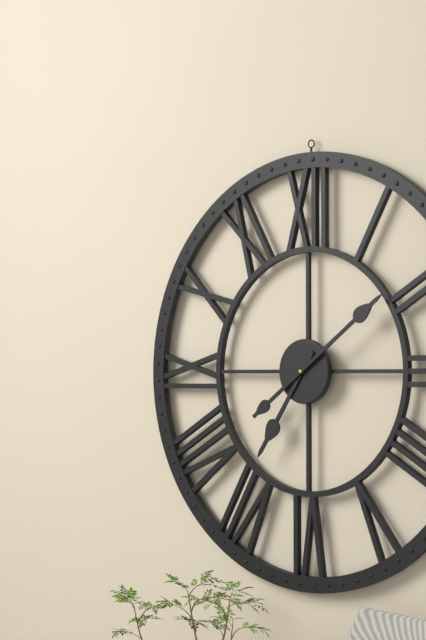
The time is 7:09
